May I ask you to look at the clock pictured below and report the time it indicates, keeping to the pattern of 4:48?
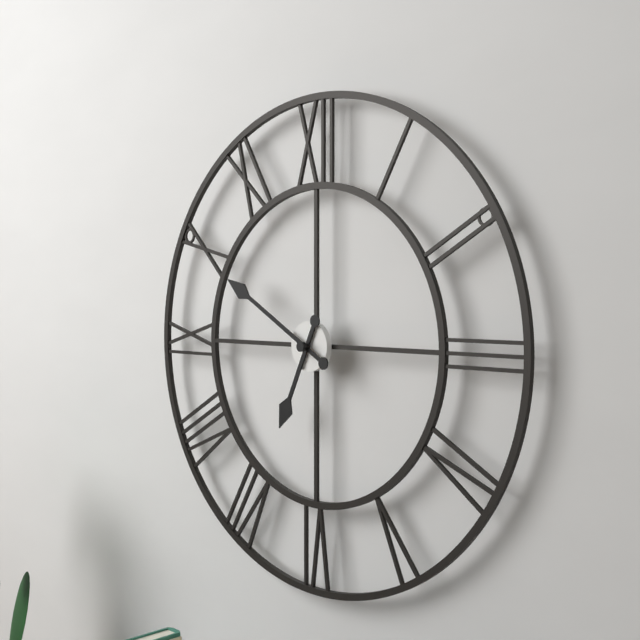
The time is 6:50
